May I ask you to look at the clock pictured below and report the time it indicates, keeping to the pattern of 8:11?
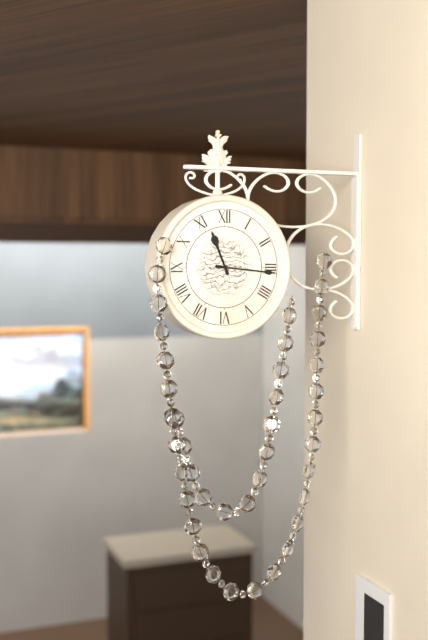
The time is 11:16
